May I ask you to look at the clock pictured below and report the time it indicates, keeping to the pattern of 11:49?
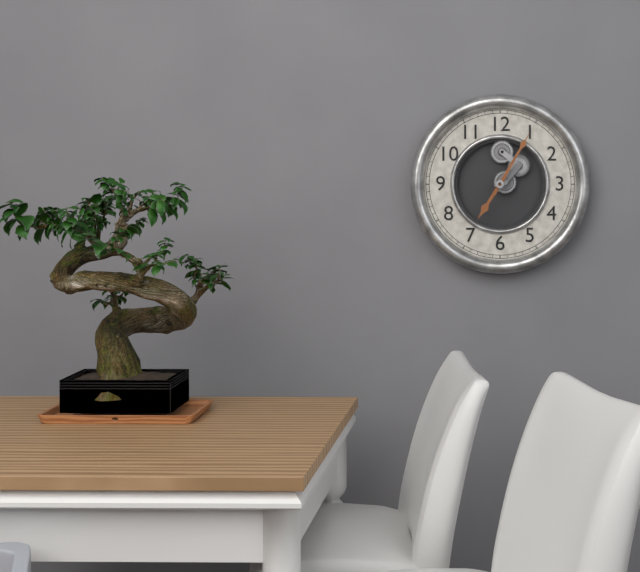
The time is 7:05
